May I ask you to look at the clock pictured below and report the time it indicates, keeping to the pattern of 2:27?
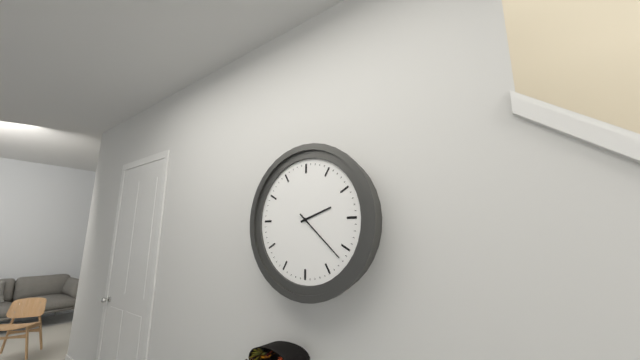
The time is 2:22
